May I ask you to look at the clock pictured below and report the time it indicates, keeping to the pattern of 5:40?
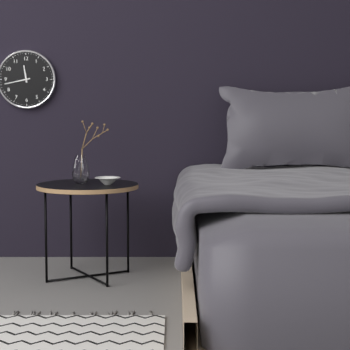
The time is 11:43
